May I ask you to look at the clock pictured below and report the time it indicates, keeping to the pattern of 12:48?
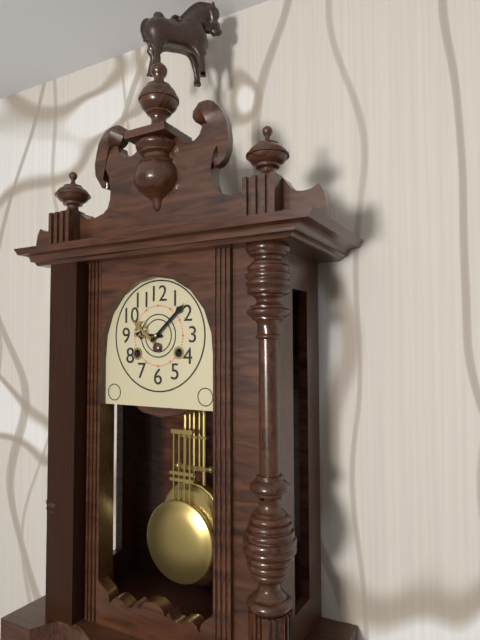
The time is 9:08
